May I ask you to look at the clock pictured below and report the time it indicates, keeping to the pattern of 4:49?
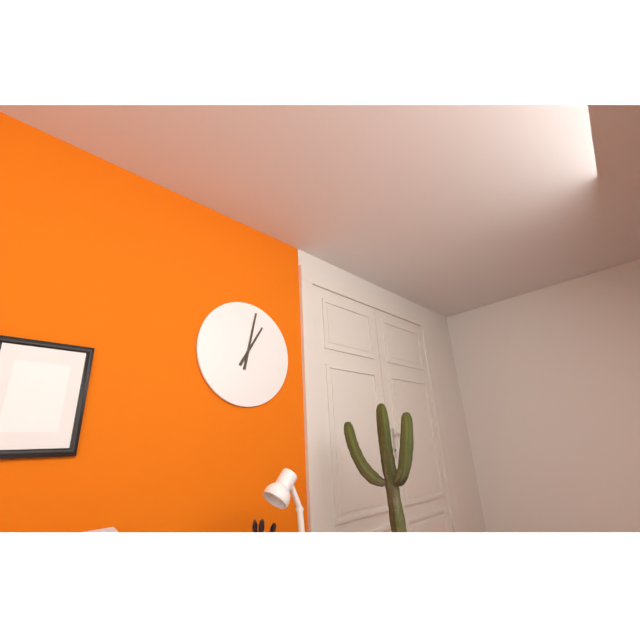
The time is 1:02
